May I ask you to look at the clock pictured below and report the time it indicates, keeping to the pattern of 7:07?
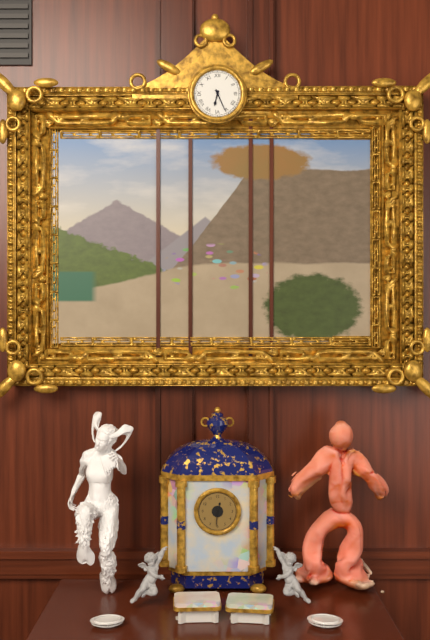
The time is 6:26
